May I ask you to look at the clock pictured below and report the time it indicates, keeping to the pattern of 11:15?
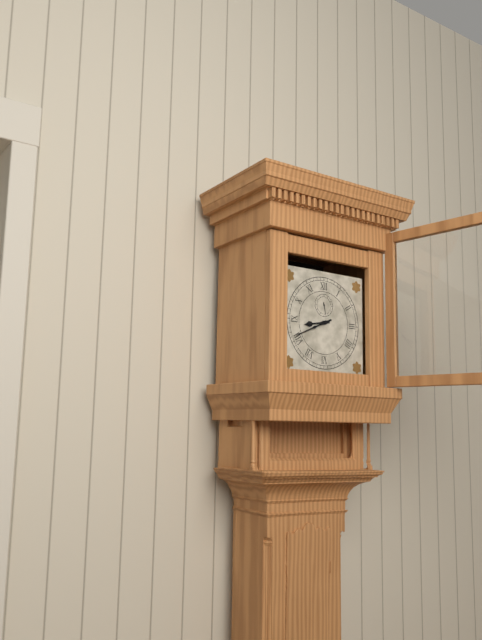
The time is 8:41
